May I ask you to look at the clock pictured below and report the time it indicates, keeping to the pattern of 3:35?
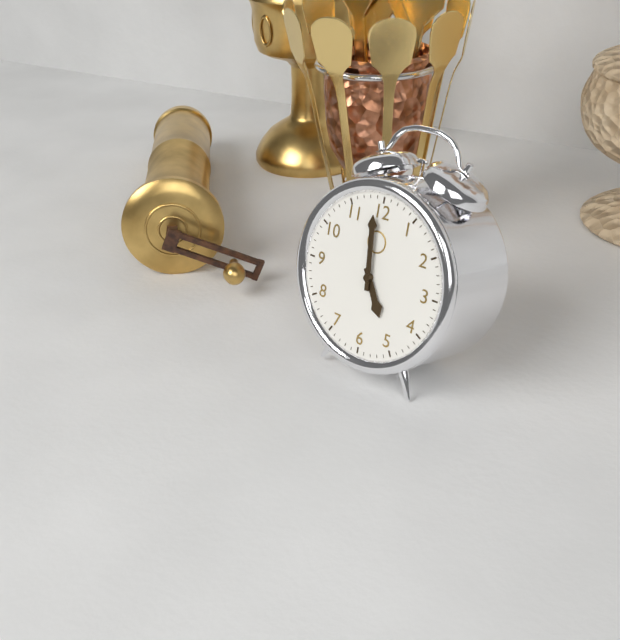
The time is 4:59
